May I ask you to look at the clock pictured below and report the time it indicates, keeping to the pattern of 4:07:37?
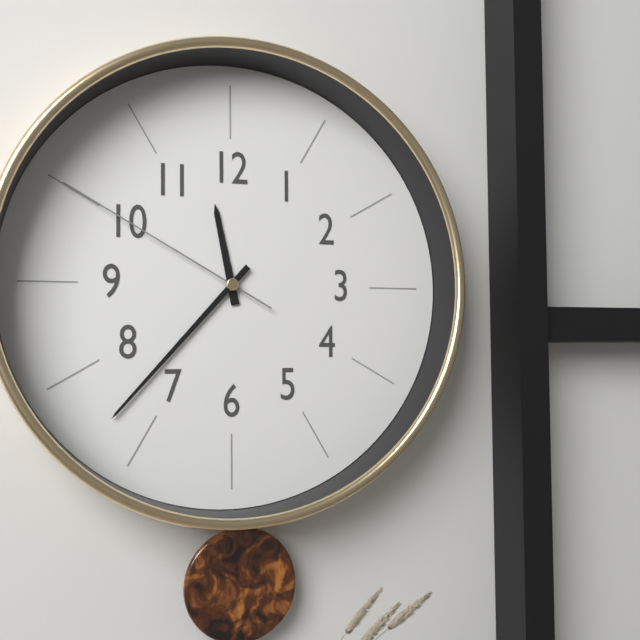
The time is 11:37:50
